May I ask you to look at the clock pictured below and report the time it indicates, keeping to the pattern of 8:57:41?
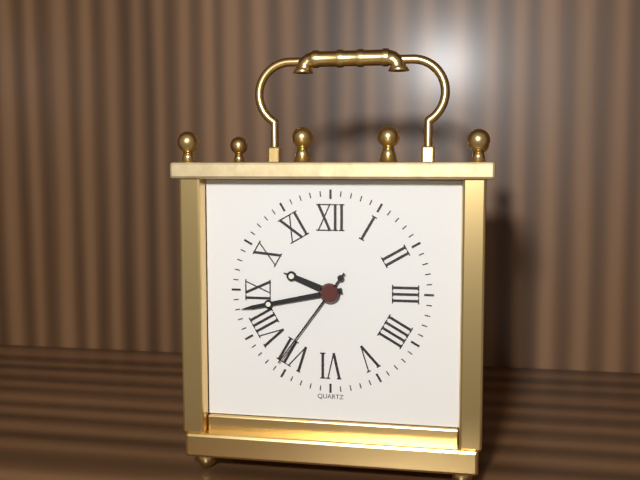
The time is 9:43:36
